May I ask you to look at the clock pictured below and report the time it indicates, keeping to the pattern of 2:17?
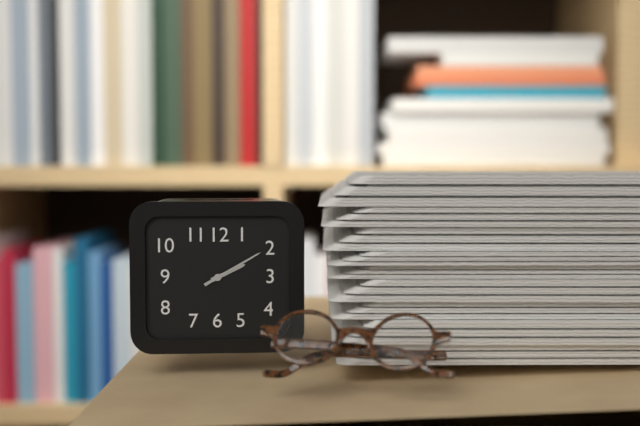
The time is 2:10
